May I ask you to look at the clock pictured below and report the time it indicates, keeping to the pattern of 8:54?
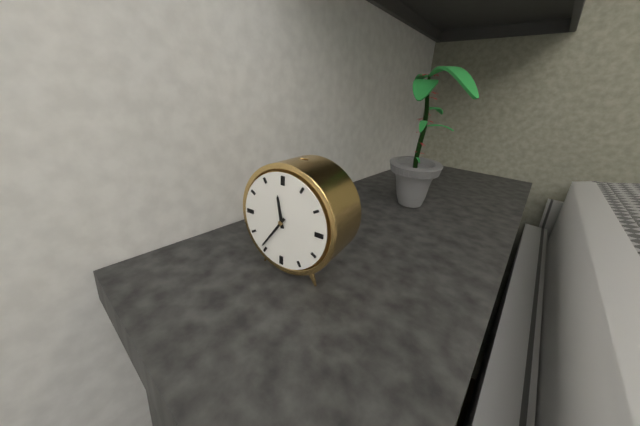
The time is 11:36
